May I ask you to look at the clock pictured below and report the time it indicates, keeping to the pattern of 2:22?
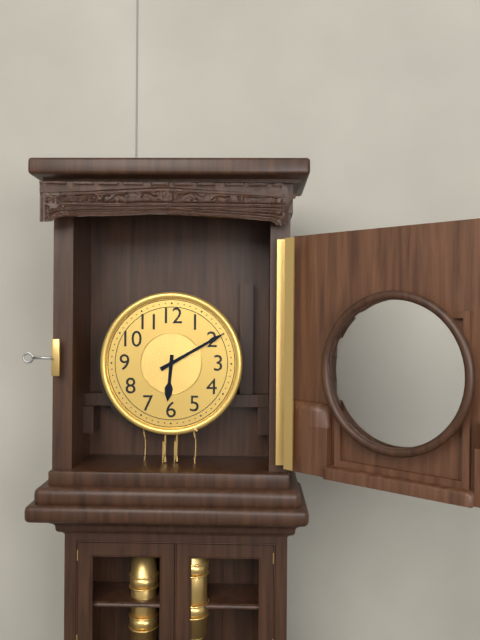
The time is 6:10
